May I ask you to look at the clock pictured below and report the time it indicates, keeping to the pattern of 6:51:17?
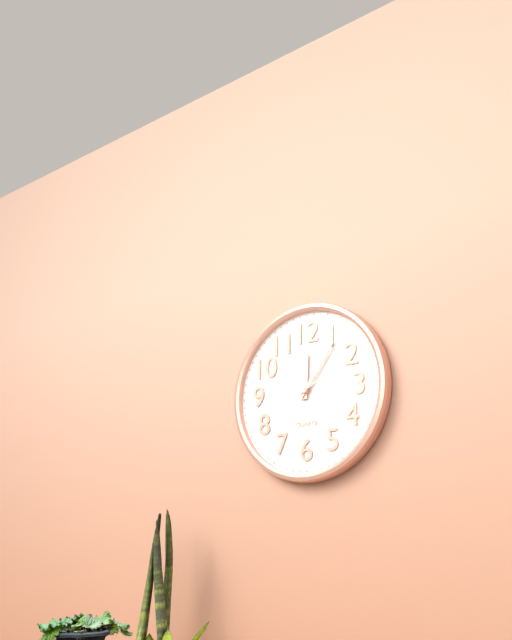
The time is 12:06:10
